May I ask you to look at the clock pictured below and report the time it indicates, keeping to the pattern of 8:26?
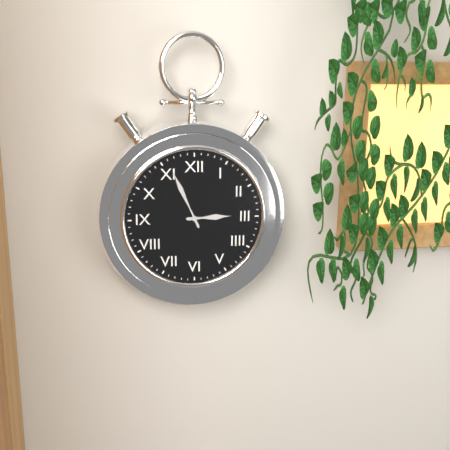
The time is 2:56
